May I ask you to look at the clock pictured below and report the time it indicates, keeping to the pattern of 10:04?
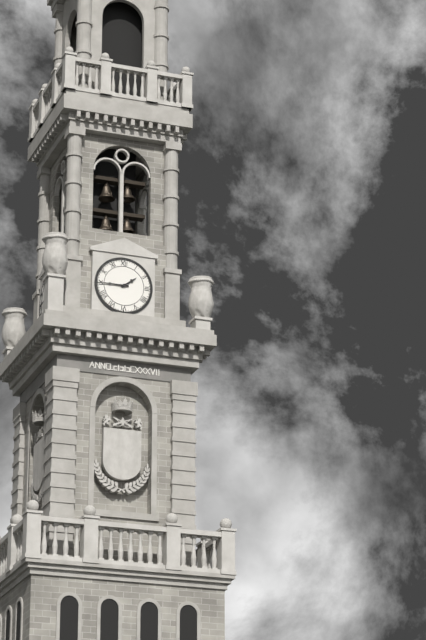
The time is 1:45
